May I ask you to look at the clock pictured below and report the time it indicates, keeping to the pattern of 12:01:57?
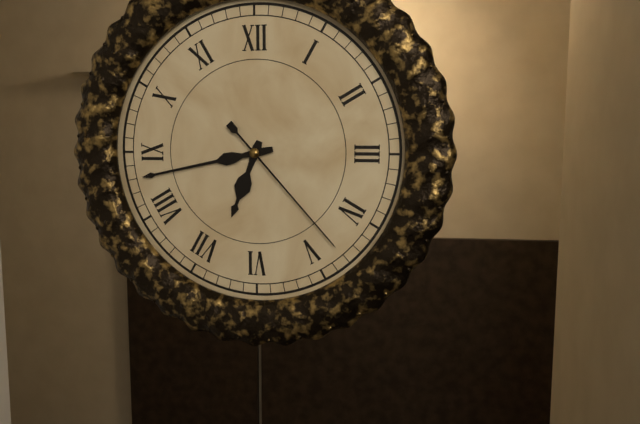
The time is 6:43:23
